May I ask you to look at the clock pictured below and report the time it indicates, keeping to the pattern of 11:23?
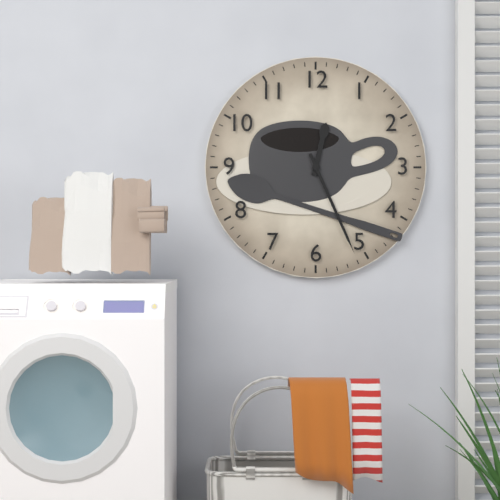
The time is 12:26
